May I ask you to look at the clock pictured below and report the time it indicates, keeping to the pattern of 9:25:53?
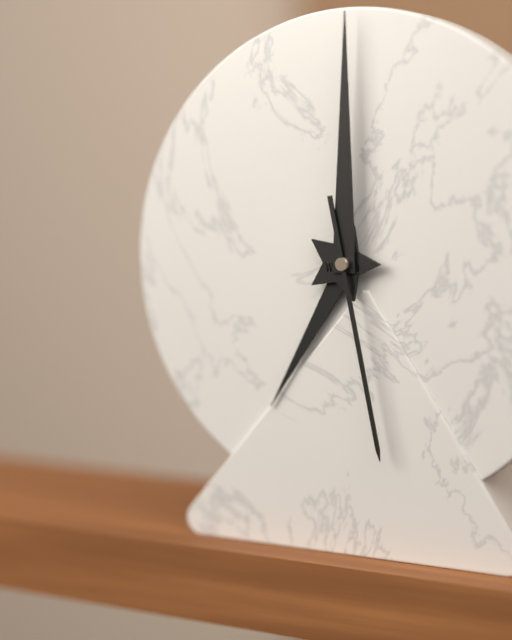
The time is 7:00:28
